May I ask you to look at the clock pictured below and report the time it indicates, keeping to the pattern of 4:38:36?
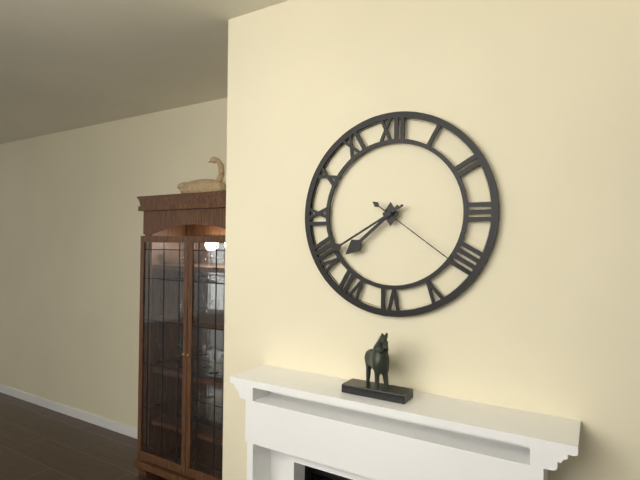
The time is 7:40:21
